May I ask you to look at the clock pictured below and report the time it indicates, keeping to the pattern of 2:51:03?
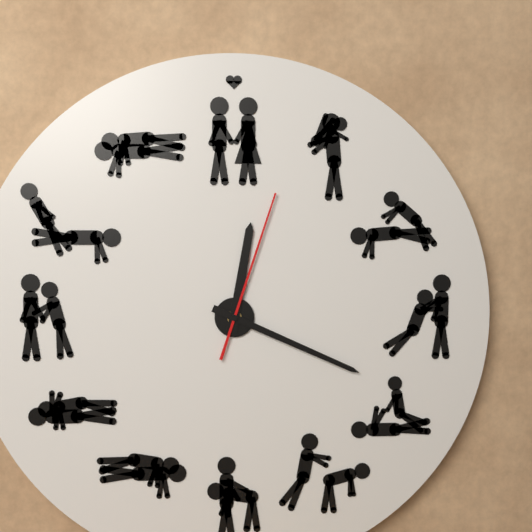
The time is 12:19:03
